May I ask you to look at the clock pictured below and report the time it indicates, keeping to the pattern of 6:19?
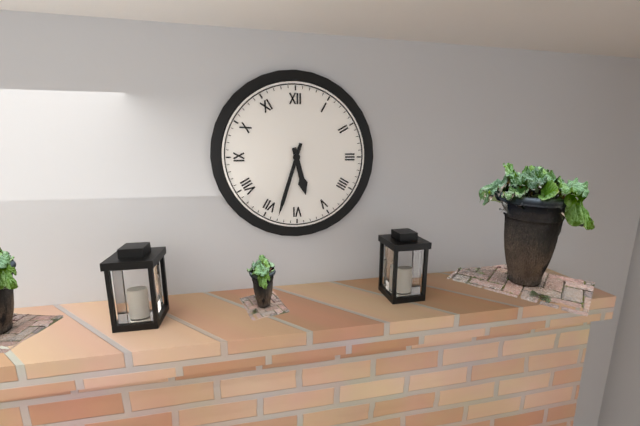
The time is 5:33
